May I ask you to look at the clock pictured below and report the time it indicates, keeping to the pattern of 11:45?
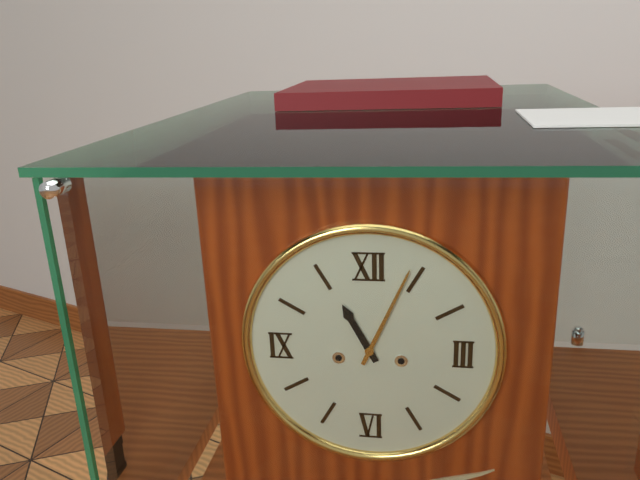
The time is 11:04
